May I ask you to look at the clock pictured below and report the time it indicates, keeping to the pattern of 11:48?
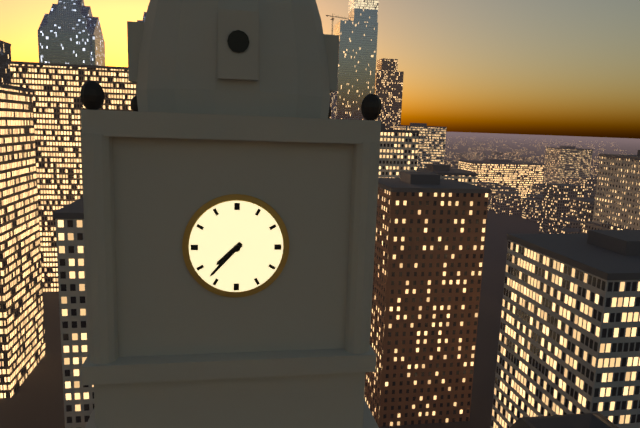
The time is 7:37
